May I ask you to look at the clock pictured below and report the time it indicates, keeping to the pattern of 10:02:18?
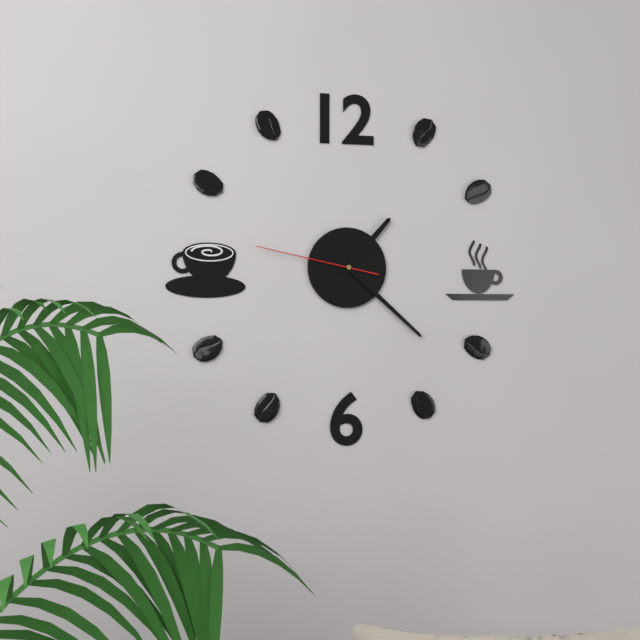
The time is 1:22:47
